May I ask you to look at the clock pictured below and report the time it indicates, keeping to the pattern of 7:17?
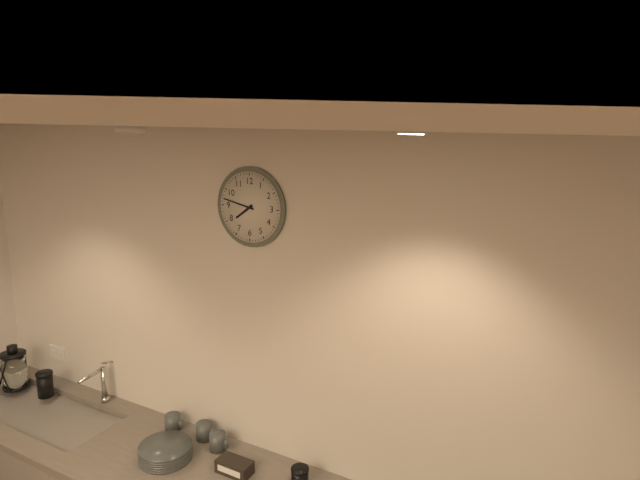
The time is 7:47
